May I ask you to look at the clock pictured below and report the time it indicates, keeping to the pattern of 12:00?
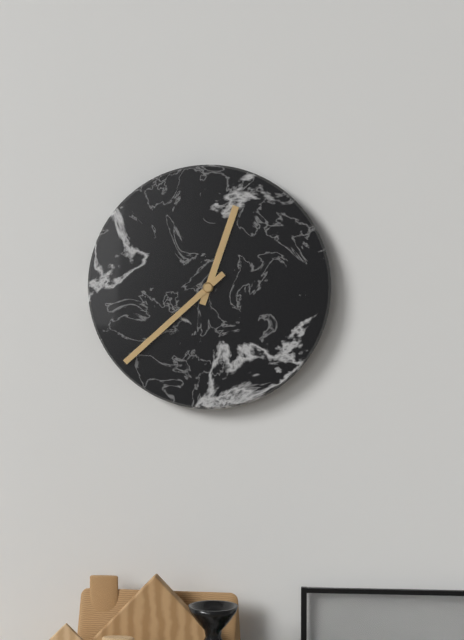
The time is 12:38
